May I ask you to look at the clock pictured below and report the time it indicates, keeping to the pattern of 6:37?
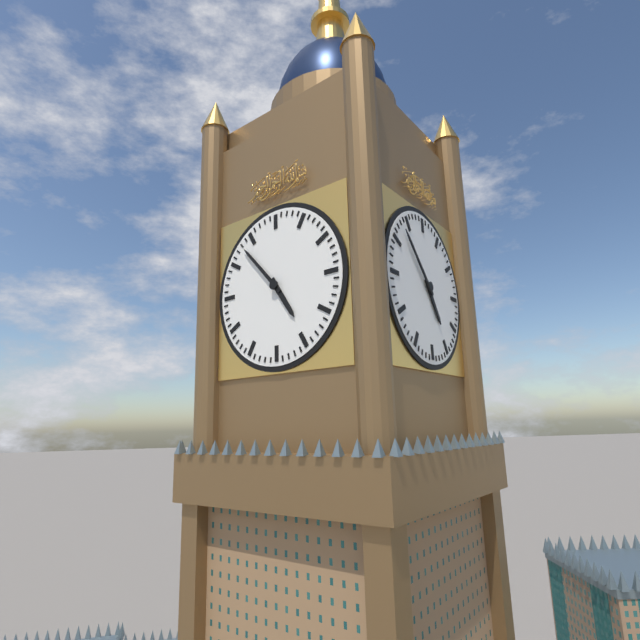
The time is 4:53
